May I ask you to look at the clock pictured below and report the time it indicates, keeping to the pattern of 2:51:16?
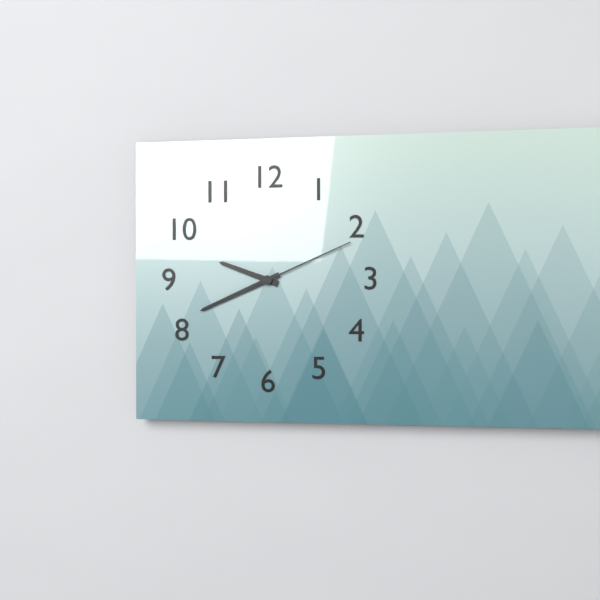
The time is 9:41:11
